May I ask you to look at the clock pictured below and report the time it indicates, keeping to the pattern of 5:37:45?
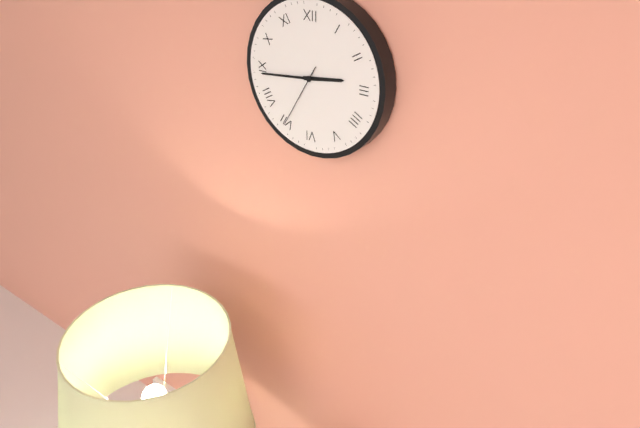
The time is 2:44:35
